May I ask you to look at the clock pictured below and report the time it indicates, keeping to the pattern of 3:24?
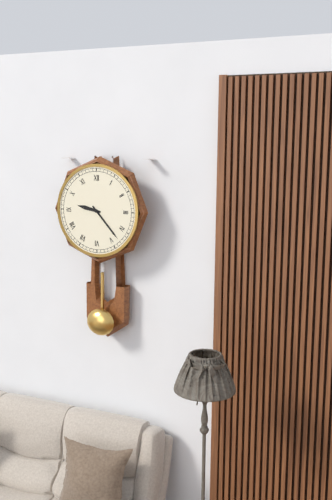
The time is 9:23
